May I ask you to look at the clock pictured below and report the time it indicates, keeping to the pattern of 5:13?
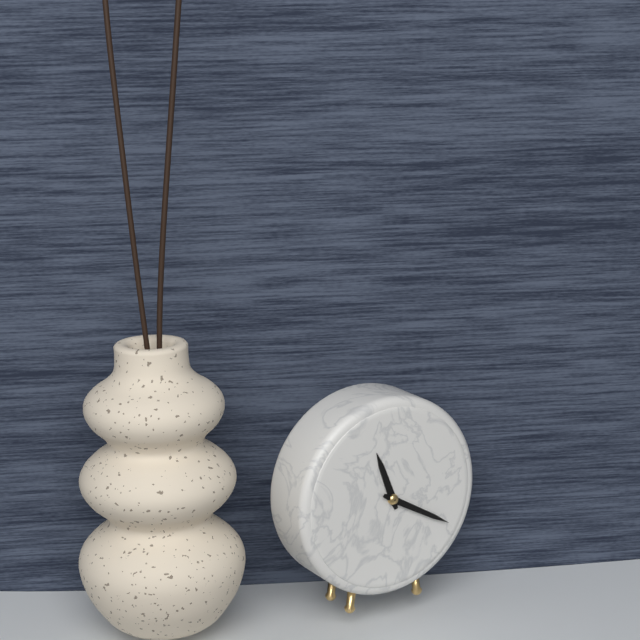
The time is 11:20
